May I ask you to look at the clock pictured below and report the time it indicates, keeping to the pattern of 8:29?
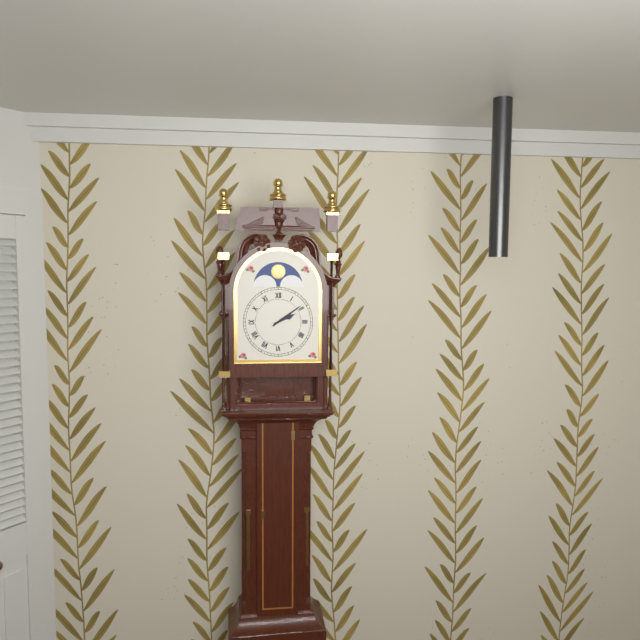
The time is 2:09
